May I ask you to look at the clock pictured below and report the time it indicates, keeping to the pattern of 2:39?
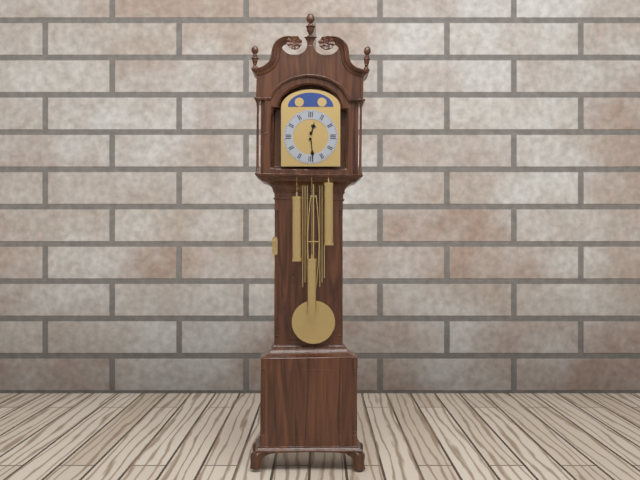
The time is 12:29
